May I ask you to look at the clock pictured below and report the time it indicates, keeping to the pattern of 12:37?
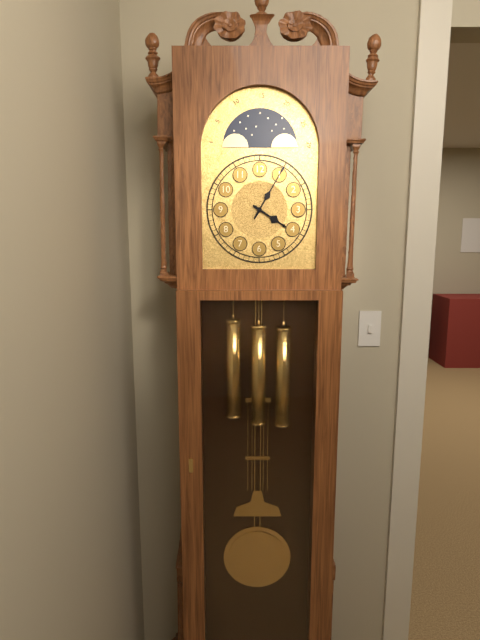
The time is 4:05
